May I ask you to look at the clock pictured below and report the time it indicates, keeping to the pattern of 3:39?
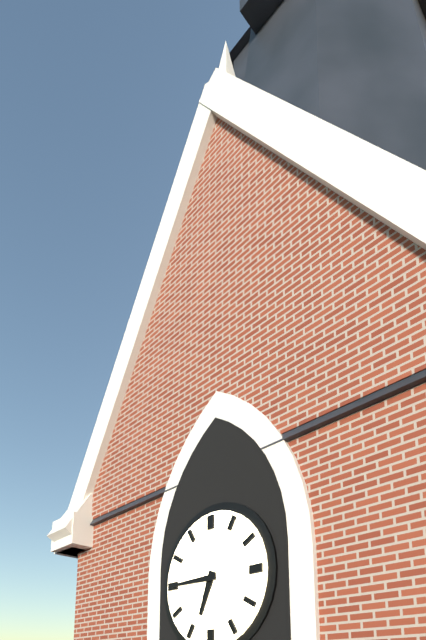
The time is 6:45
